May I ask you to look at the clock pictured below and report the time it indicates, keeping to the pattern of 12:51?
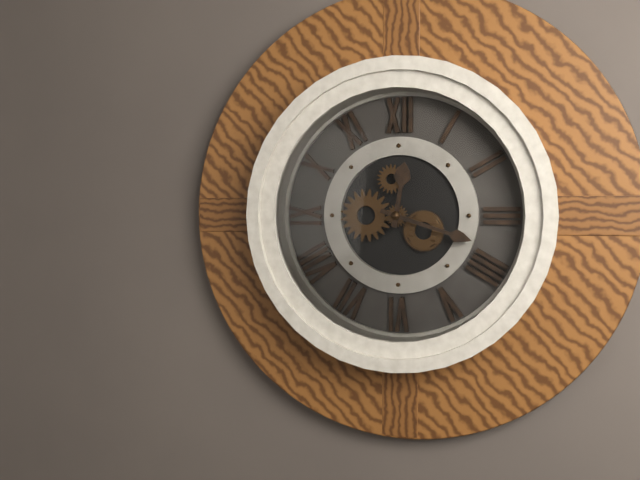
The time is 12:18
